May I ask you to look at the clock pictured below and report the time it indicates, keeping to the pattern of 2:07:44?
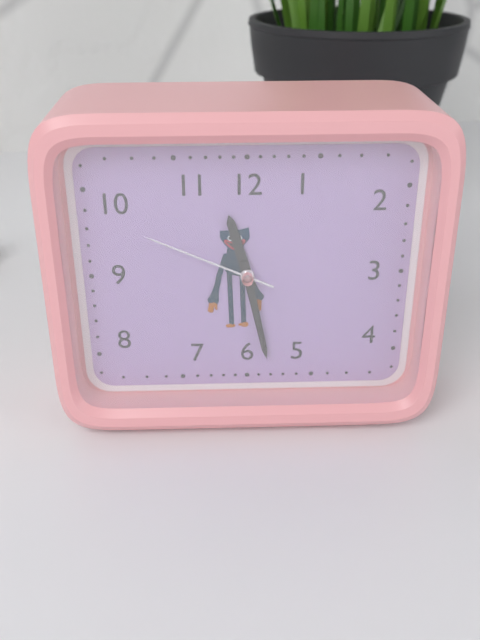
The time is 11:28:49
